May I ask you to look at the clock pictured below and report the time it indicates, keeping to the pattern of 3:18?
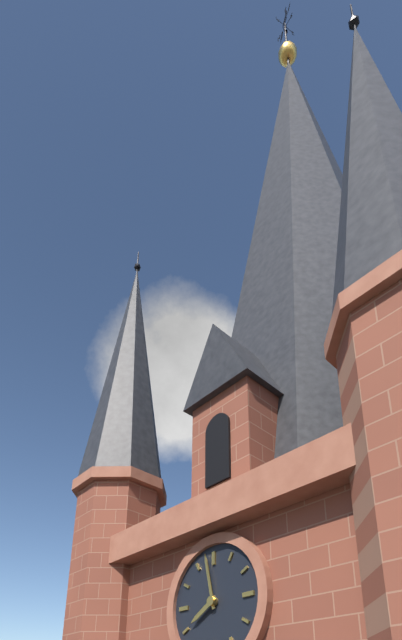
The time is 7:58
